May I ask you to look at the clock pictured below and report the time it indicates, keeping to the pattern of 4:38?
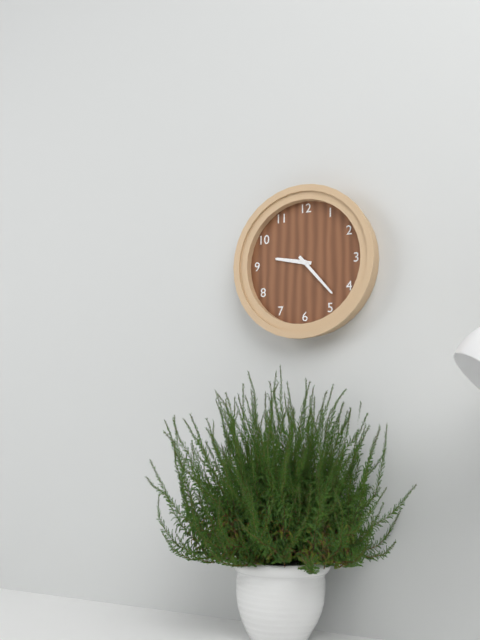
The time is 9:23
